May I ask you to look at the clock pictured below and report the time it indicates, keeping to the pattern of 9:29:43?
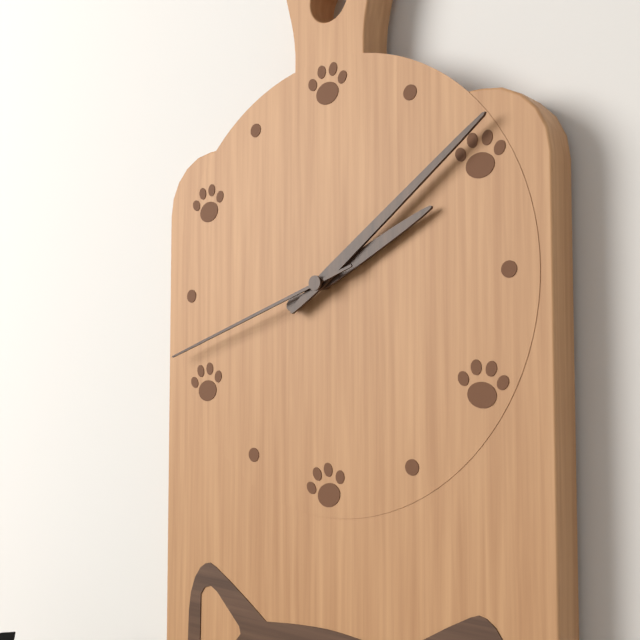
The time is 2:09:42
